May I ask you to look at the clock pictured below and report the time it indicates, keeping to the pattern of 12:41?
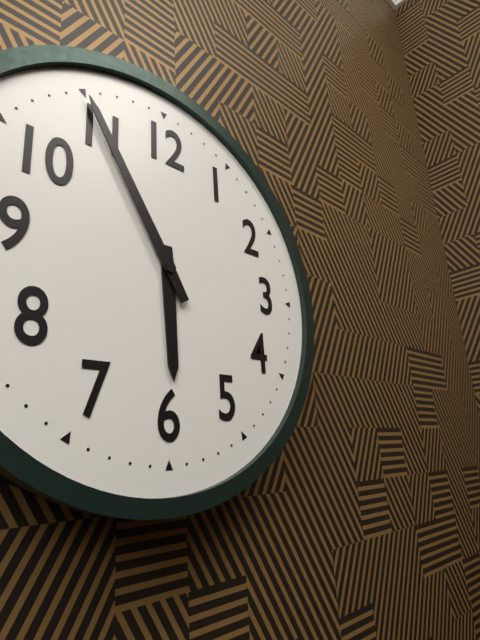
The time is 5:55
